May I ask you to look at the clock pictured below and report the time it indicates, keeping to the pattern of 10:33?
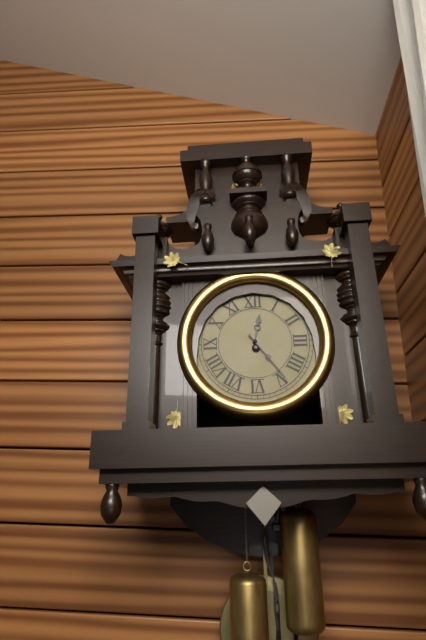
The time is 12:24
